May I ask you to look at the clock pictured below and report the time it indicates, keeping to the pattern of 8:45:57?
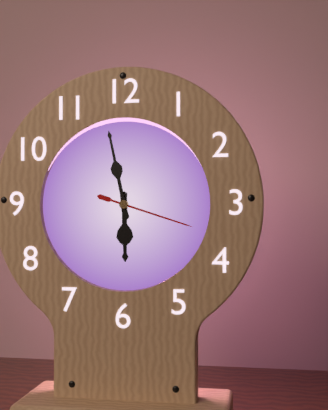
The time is 5:58:18
